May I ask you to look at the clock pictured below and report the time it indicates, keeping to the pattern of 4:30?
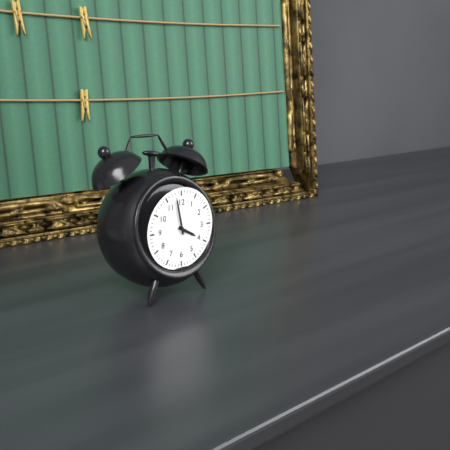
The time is 3:58
